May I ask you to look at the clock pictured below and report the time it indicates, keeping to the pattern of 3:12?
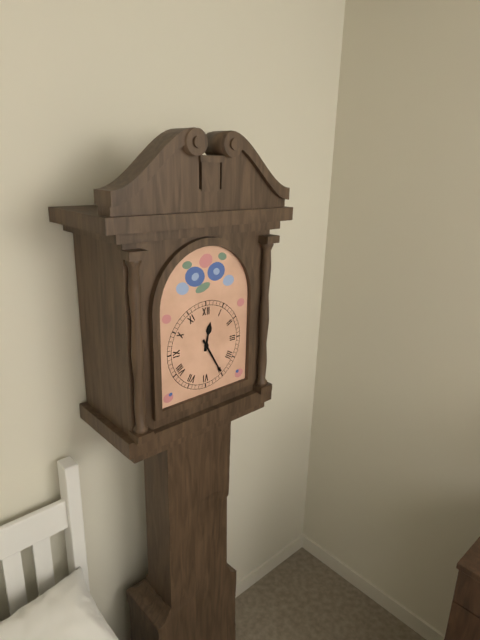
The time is 12:25
